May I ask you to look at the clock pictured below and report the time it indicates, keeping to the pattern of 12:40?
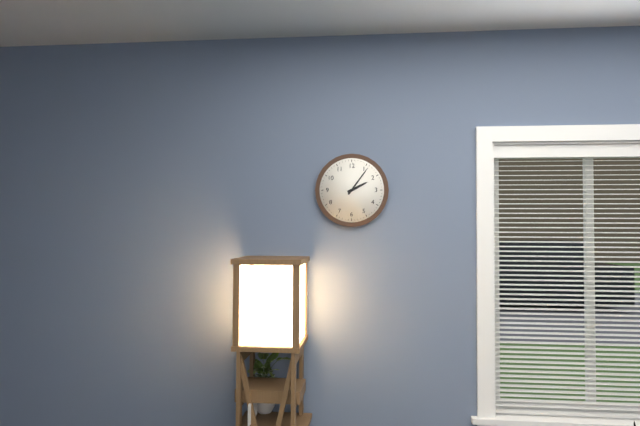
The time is 2:06
